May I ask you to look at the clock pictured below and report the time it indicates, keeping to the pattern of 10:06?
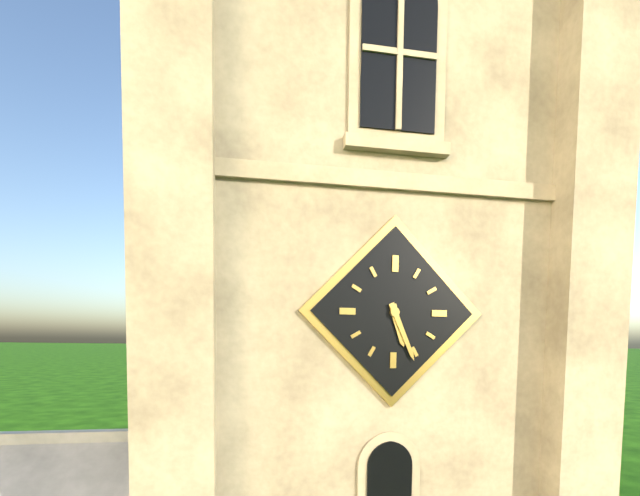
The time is 5:26
